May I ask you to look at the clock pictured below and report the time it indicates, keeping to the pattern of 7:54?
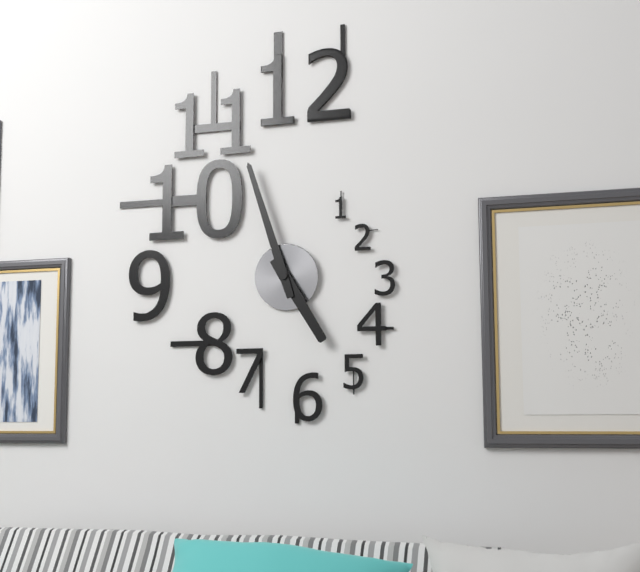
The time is 4:57
